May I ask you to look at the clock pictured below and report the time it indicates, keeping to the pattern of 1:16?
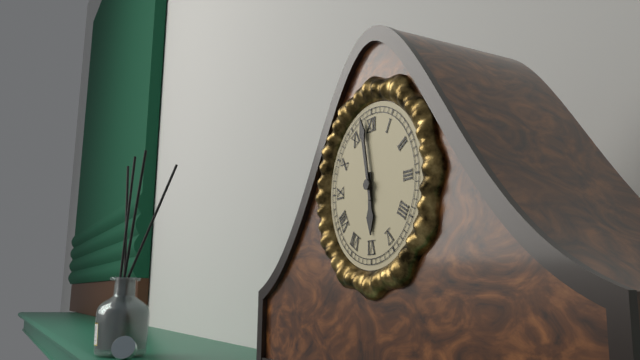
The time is 5:58
